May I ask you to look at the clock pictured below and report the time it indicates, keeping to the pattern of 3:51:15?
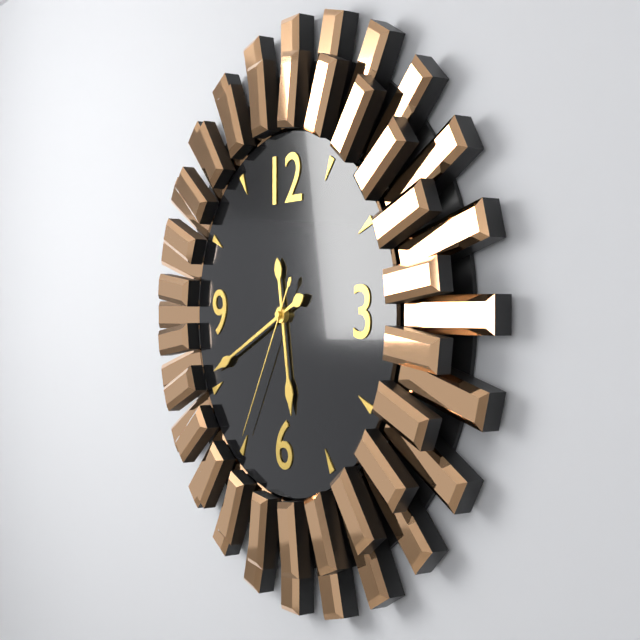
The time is 5:41:35
